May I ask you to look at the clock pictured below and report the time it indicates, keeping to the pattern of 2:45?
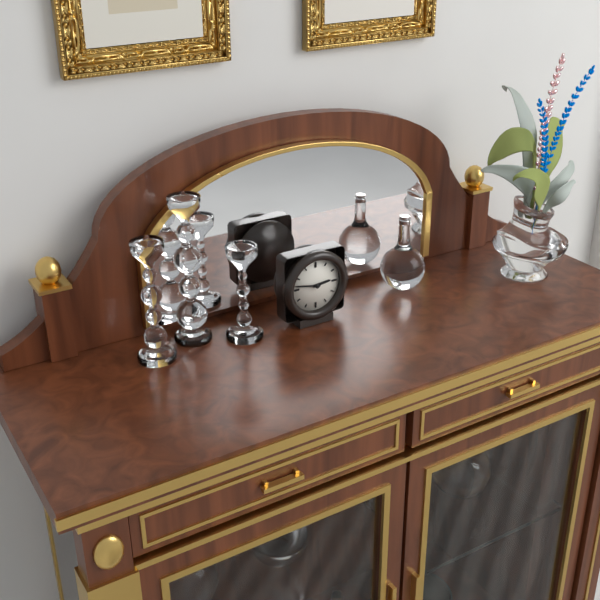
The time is 2:47
